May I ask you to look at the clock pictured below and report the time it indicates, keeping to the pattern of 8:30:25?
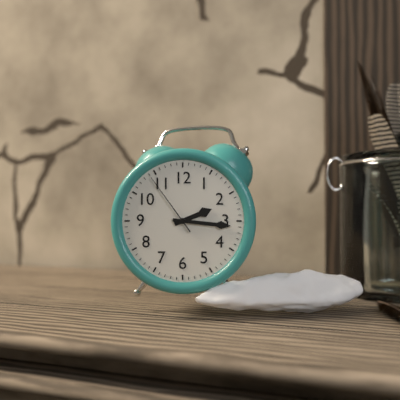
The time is 2:16:54
